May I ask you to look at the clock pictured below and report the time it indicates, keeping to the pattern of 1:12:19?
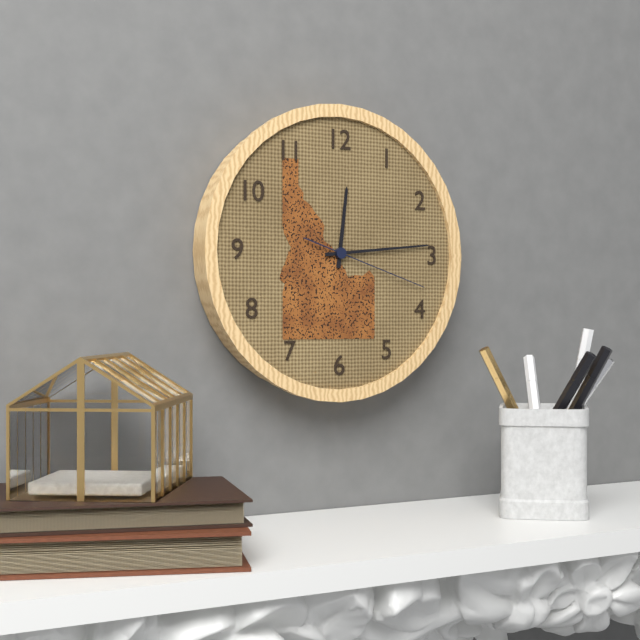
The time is 12:14:18
